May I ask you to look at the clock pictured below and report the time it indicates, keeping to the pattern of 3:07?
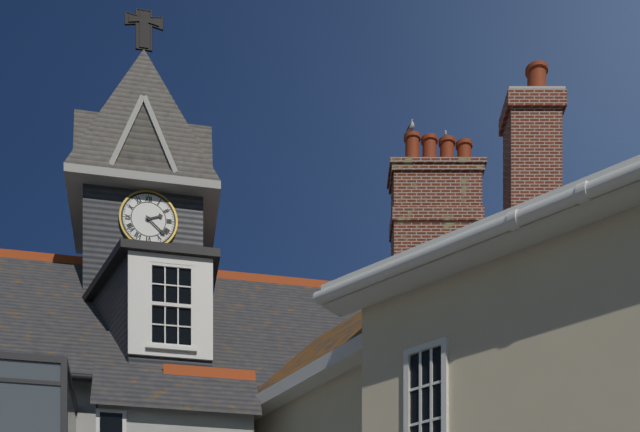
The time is 2:22
